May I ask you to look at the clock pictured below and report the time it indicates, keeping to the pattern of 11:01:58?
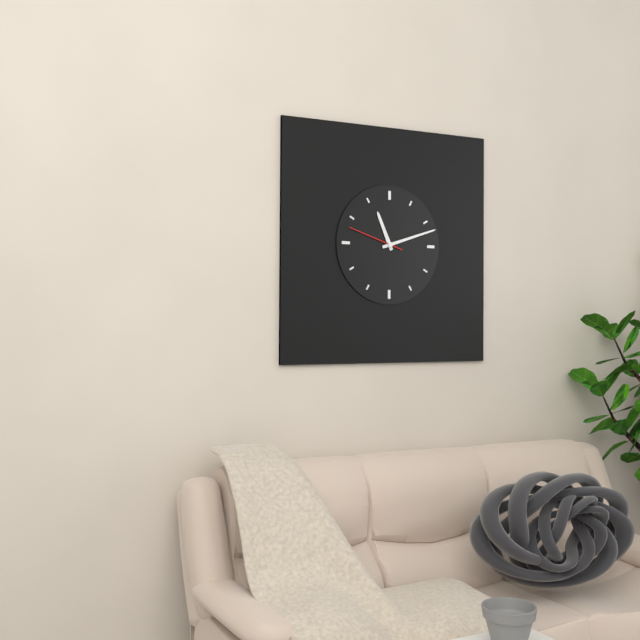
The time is 11:12:48
